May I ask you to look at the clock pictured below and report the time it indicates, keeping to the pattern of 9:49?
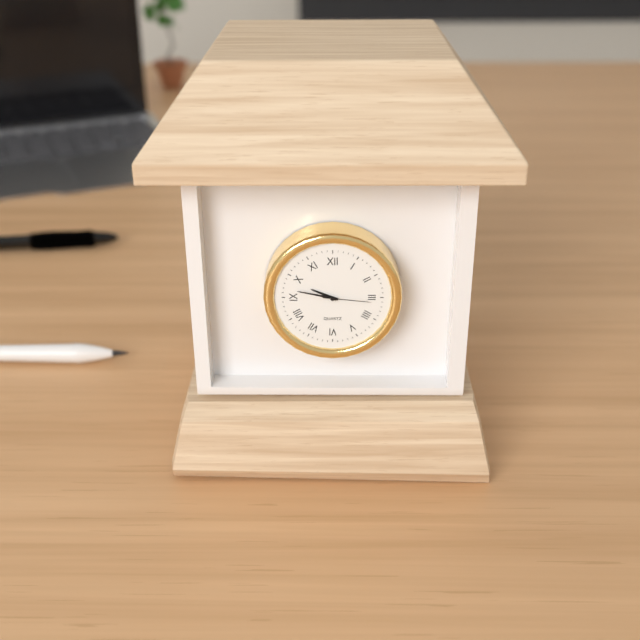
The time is 9:47
